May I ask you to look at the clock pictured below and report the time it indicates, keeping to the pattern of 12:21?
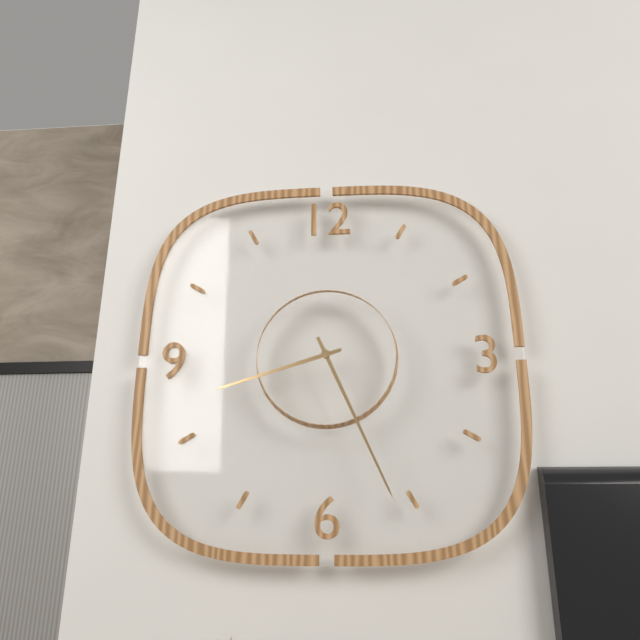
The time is 8:26
